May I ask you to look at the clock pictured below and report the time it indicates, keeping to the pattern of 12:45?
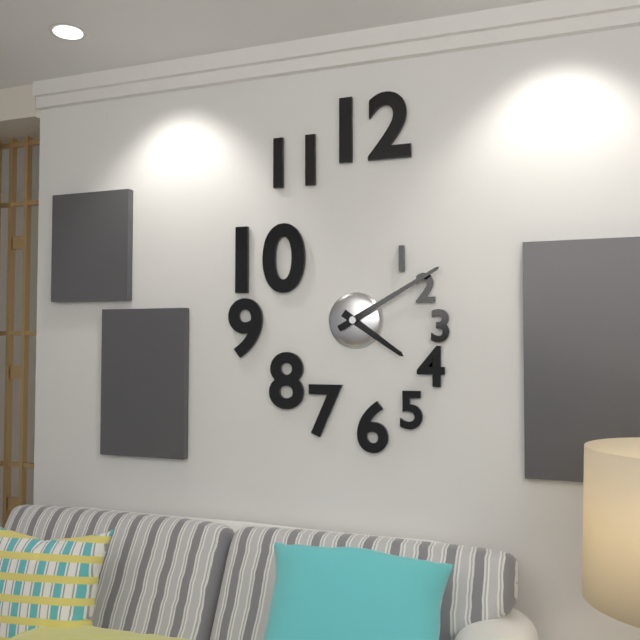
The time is 4:10
